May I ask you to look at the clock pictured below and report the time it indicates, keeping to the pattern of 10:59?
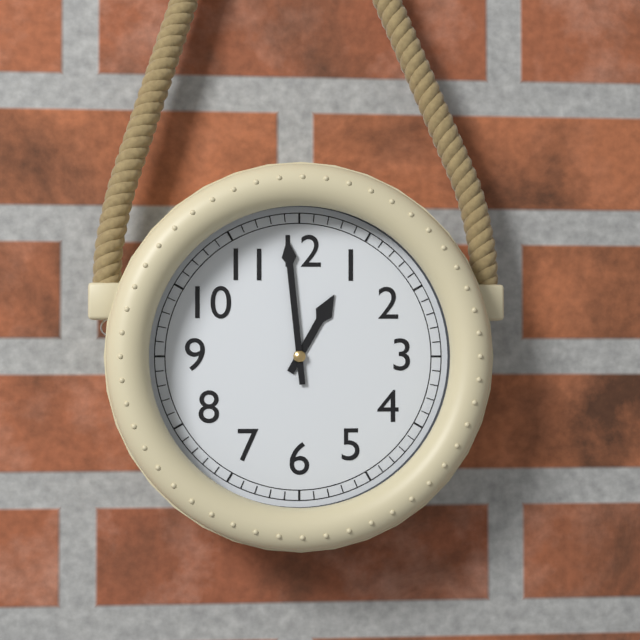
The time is 12:59
